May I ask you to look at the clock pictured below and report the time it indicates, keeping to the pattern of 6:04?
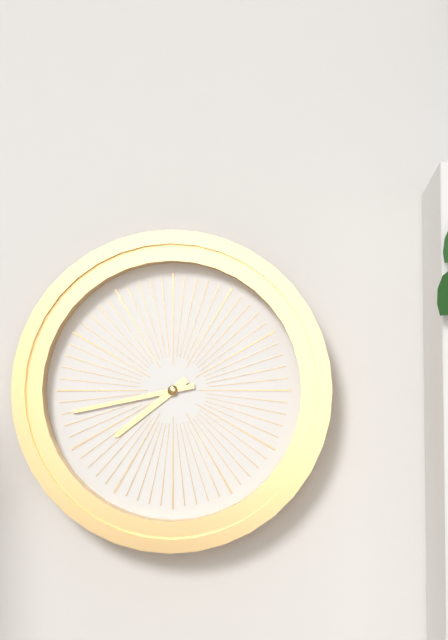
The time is 7:43
